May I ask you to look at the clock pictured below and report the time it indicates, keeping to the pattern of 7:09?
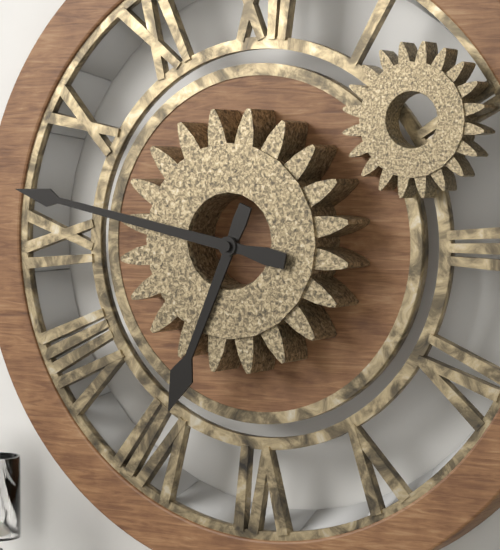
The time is 6:47
